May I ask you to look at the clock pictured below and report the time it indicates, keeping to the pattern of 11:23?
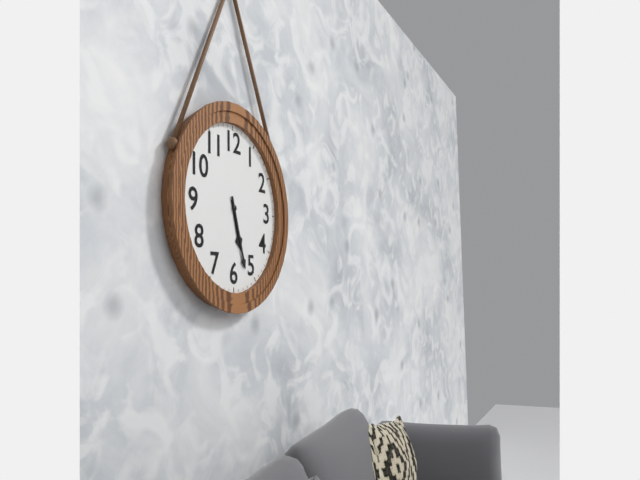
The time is 5:27
